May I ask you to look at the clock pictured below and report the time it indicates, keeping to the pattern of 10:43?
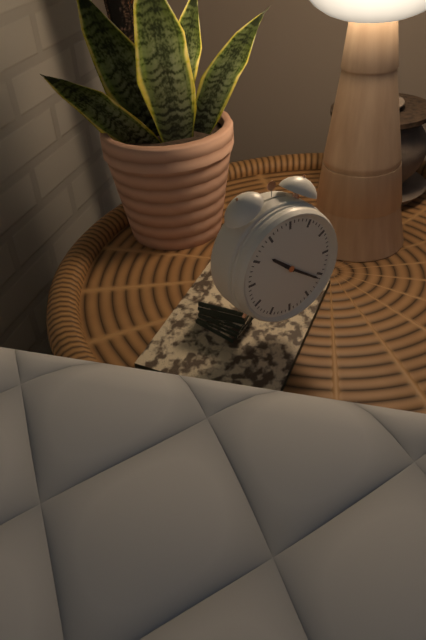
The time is 10:21
